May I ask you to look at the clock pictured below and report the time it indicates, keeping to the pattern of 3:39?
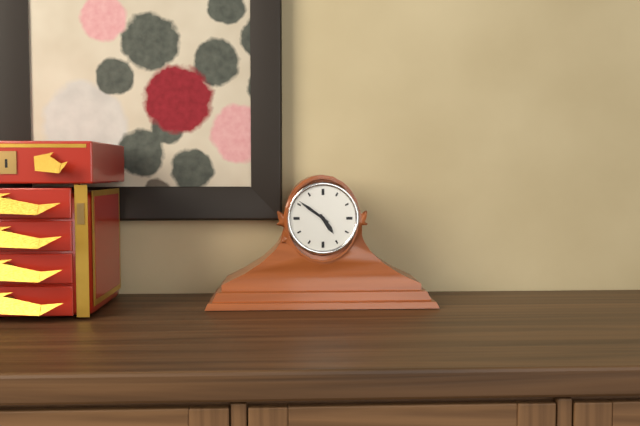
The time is 4:51
